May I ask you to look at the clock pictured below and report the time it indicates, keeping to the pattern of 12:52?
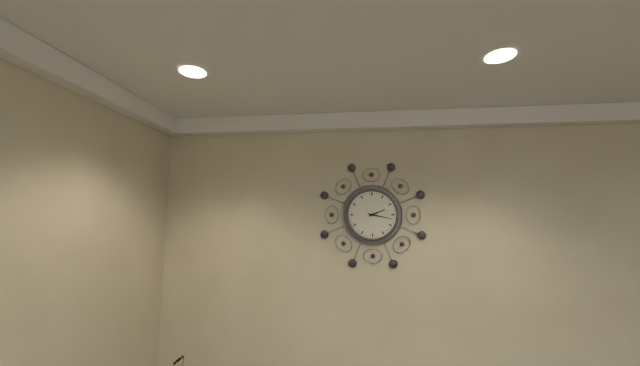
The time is 2:17
